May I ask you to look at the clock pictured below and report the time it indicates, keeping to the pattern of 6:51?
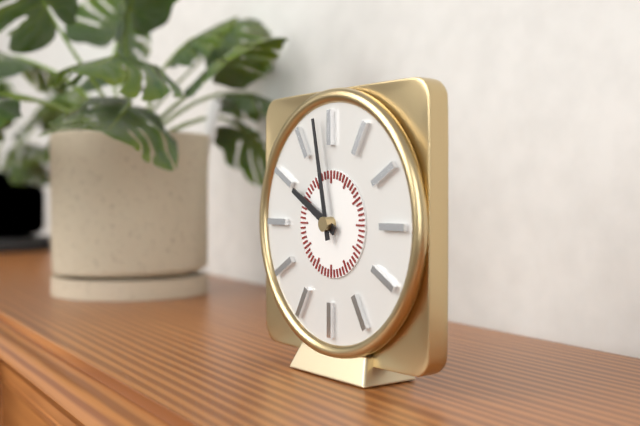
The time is 9:58
